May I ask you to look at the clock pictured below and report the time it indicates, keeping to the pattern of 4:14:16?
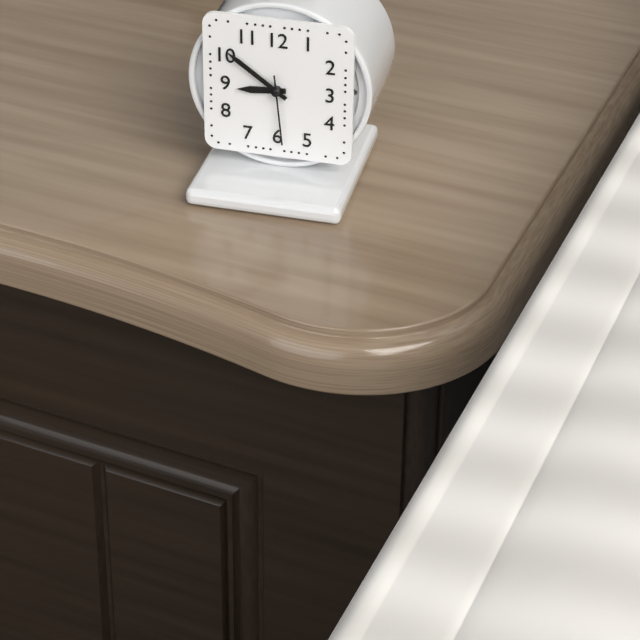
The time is 8:51:29
